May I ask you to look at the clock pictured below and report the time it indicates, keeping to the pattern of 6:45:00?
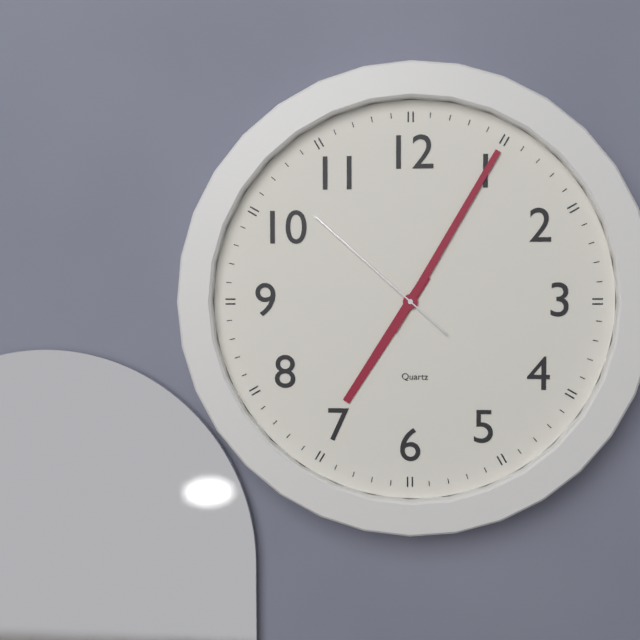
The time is 7:05:52
